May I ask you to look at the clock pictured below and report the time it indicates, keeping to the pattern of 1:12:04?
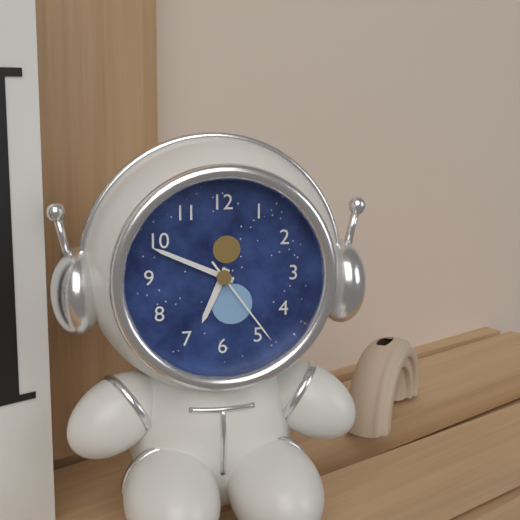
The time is 6:49:24
